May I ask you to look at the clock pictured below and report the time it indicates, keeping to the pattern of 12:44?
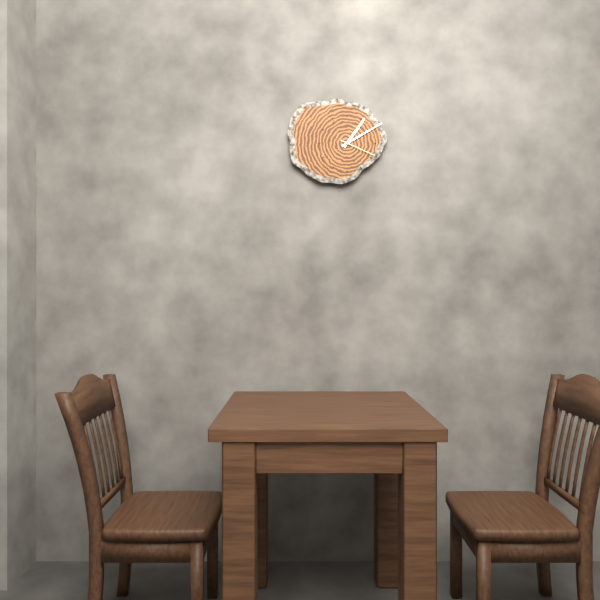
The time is 1:10
